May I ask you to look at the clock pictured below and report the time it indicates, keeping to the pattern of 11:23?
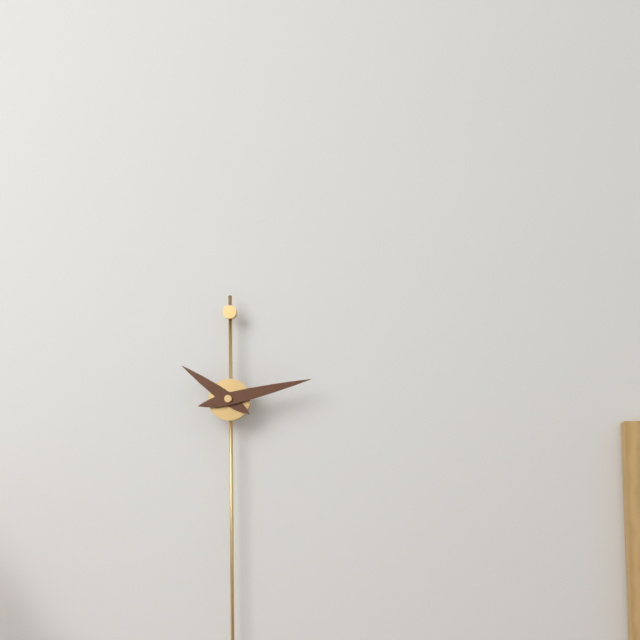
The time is 10:13
